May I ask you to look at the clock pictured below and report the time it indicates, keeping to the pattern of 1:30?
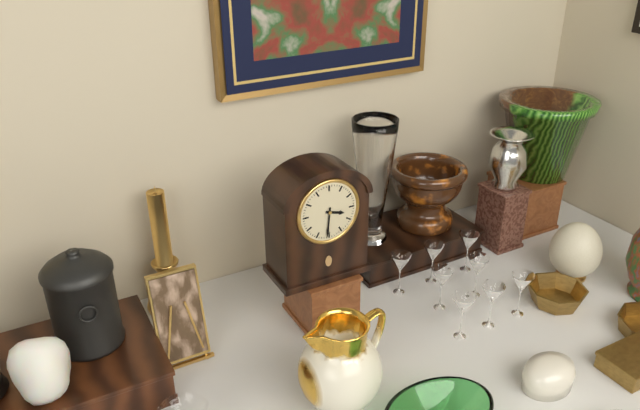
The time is 3:31
